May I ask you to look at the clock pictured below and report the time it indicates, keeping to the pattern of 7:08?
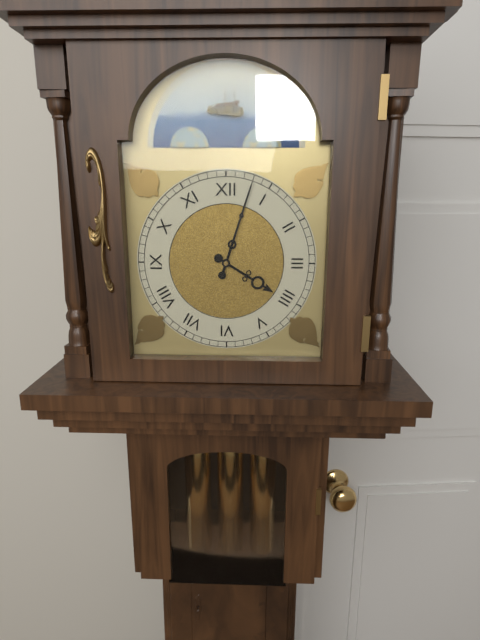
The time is 4:03
